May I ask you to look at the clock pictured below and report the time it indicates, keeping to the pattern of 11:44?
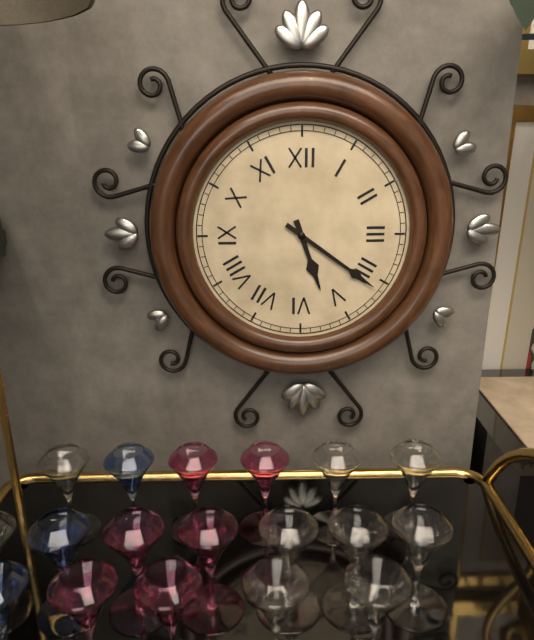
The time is 5:21
